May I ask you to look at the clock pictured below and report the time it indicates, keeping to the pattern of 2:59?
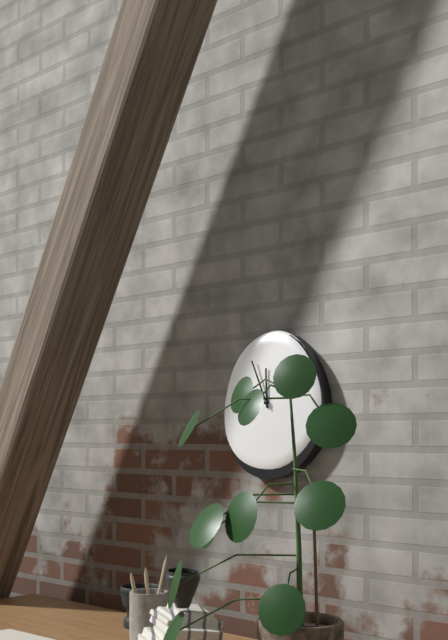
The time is 11:56
